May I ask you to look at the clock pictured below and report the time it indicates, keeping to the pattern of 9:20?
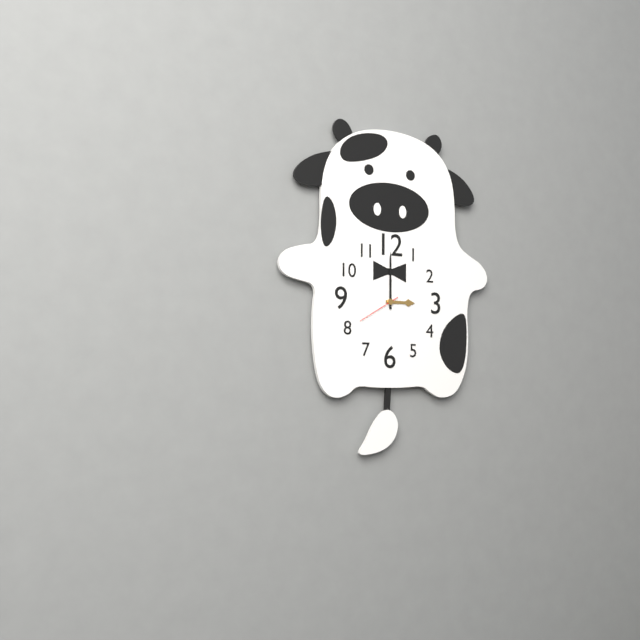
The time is 3:00
